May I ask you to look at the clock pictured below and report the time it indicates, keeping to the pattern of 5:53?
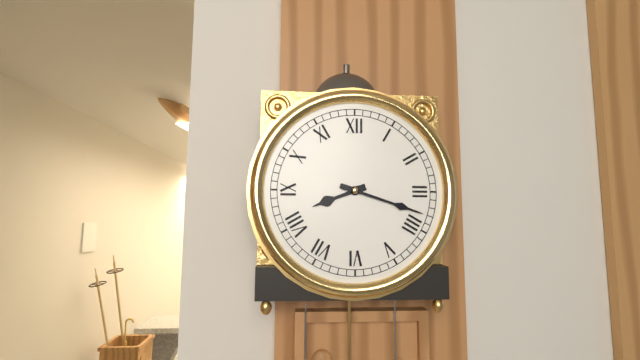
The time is 8:18
